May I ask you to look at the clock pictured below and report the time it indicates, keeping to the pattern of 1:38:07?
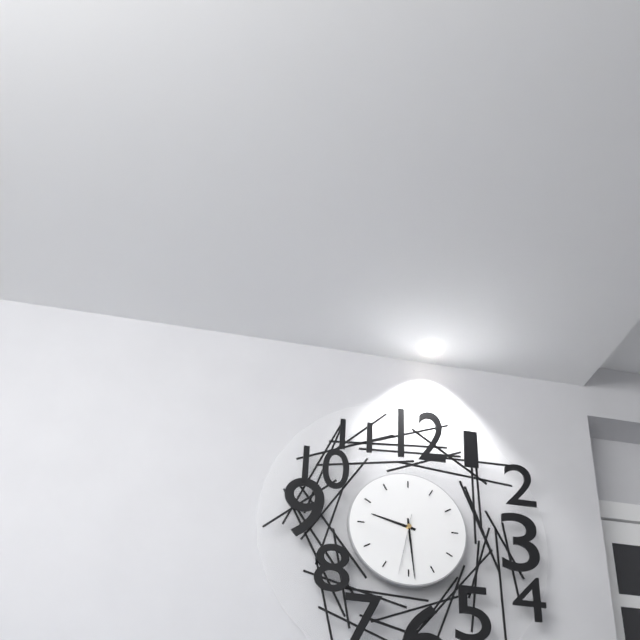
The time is 9:29:32
